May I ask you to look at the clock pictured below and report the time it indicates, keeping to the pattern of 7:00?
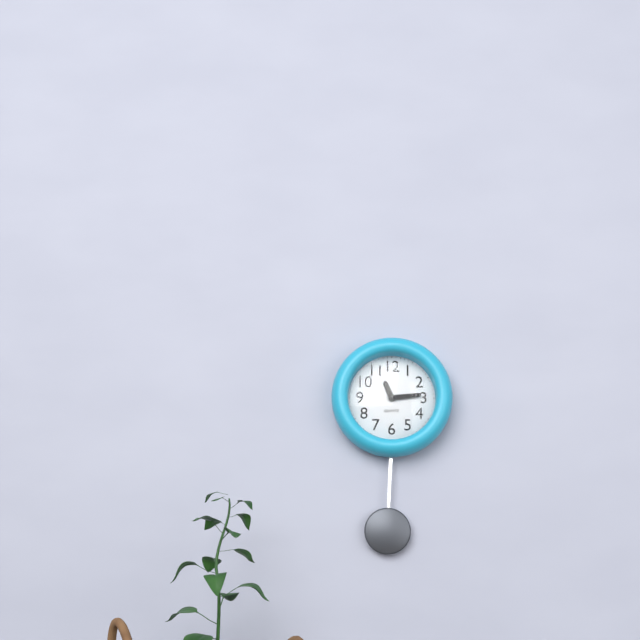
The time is 11:14
